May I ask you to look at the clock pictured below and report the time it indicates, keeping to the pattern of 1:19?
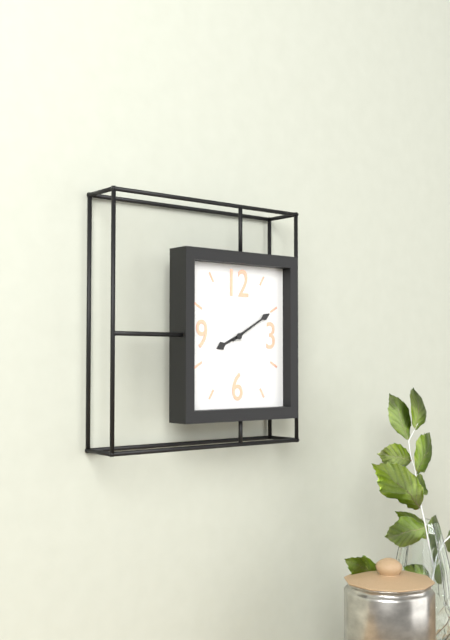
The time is 8:10
